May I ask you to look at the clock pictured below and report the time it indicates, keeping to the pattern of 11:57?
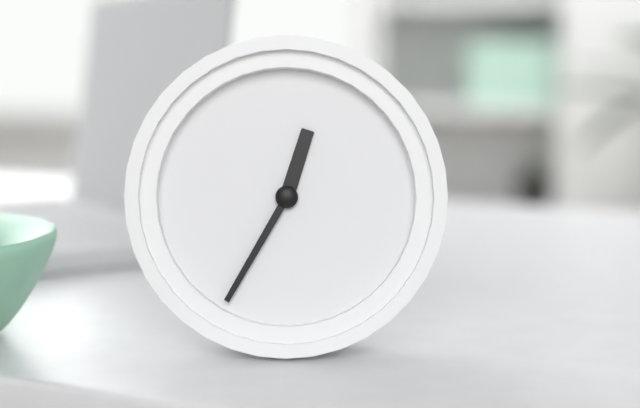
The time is 12:35
